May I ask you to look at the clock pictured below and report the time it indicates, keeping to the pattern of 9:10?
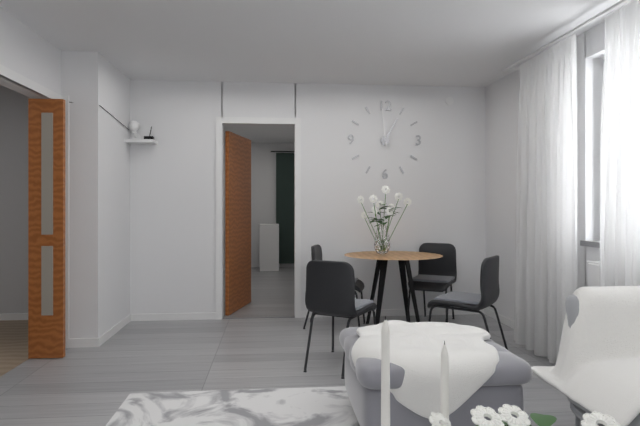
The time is 12:59
